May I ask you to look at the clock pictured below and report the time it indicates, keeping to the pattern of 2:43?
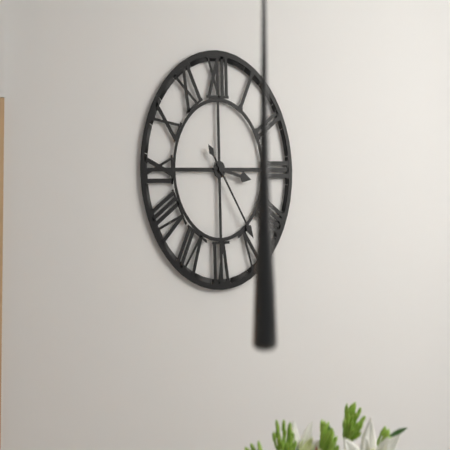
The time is 3:24
